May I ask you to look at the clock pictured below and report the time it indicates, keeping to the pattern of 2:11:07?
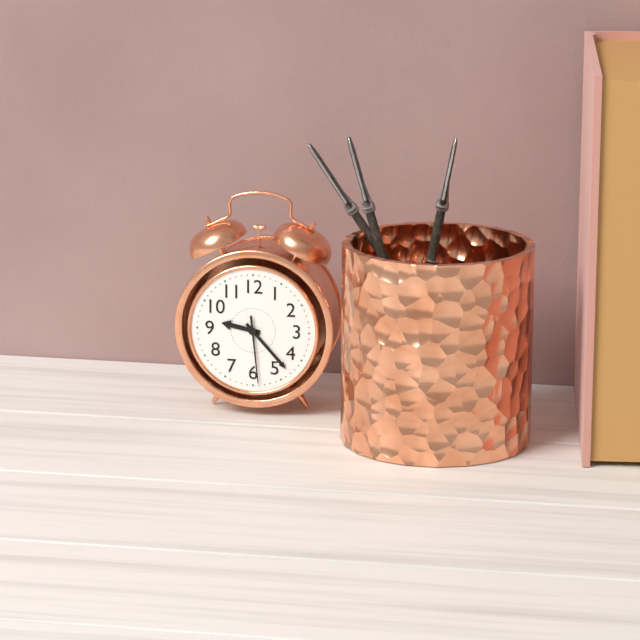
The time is 9:23:29
